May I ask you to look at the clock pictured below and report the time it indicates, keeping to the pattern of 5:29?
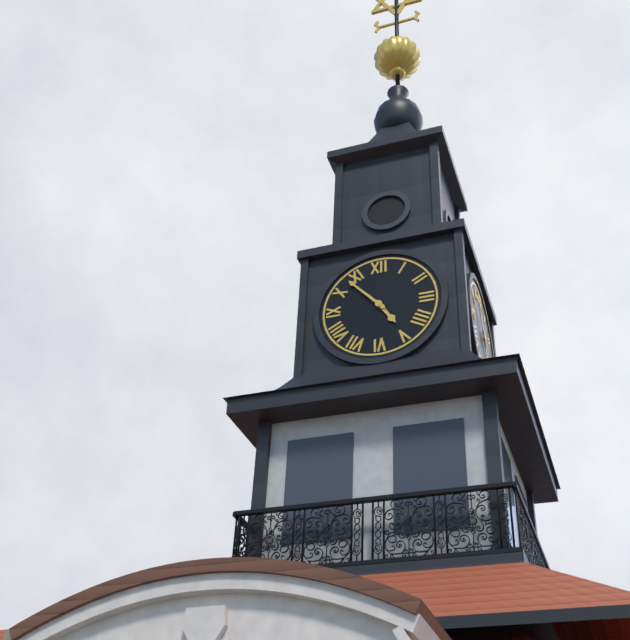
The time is 4:53
